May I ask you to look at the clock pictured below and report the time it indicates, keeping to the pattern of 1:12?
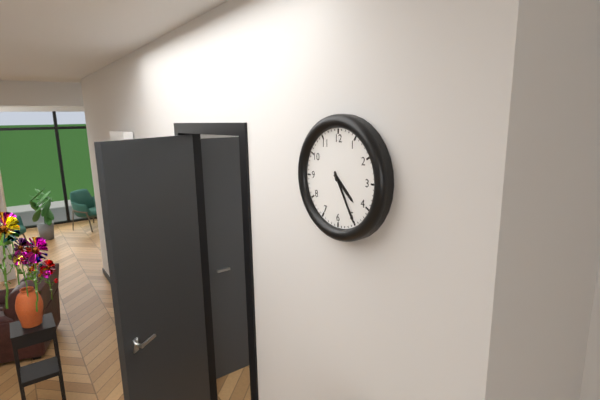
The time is 4:25
